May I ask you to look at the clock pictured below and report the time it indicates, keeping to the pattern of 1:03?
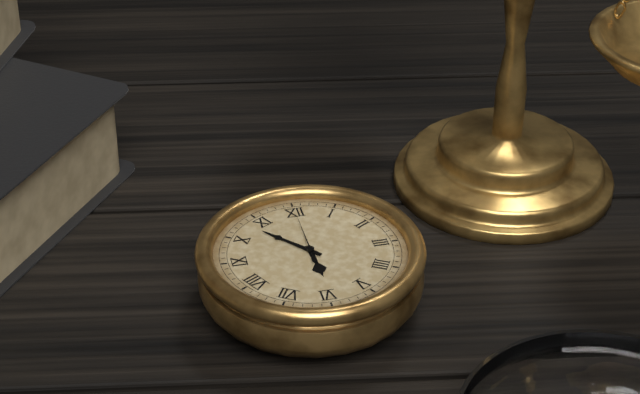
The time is 5:53
